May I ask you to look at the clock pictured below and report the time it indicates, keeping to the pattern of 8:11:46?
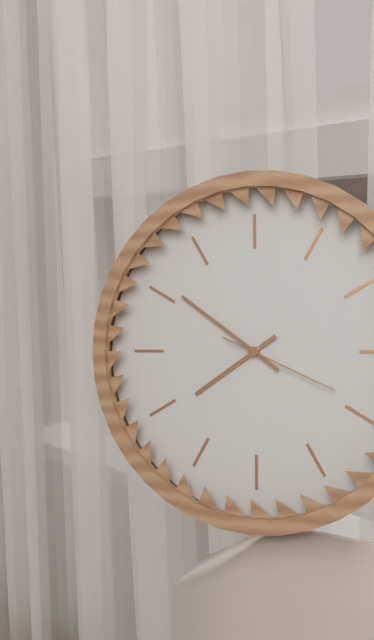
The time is 7:51:19
